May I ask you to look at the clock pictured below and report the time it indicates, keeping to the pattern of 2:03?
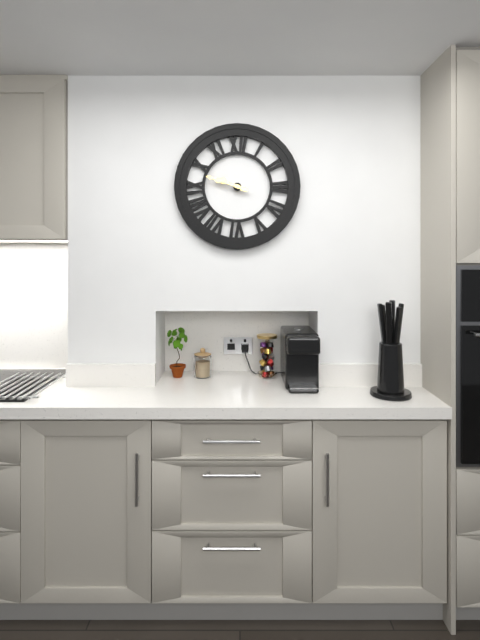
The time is 9:48
